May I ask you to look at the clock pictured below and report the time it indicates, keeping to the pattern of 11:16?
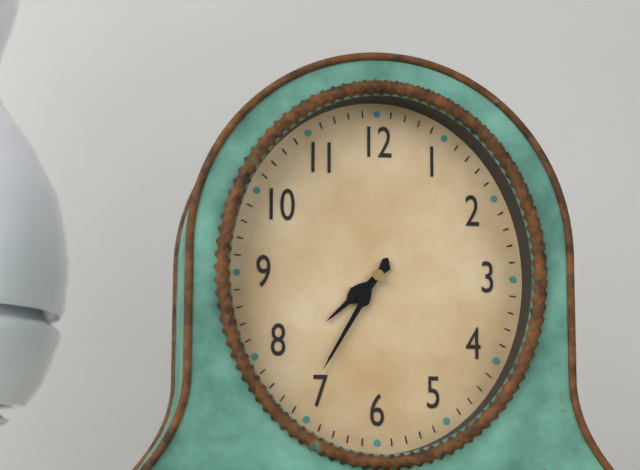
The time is 7:35
